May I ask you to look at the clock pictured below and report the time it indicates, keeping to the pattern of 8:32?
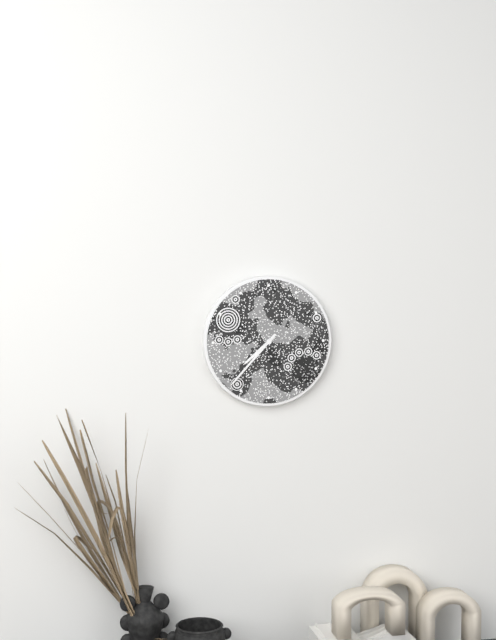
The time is 7:37
